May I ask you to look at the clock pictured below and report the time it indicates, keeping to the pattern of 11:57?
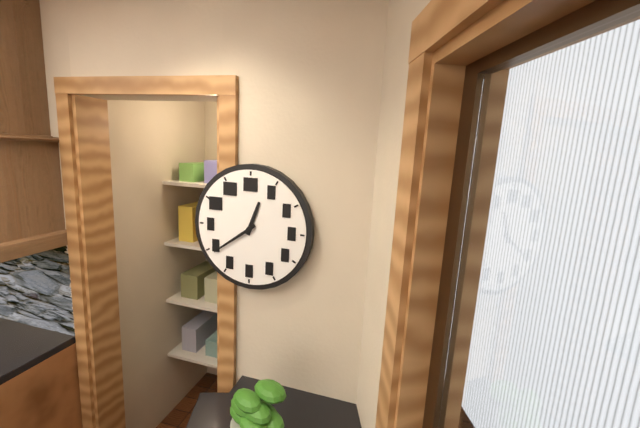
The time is 12:39
